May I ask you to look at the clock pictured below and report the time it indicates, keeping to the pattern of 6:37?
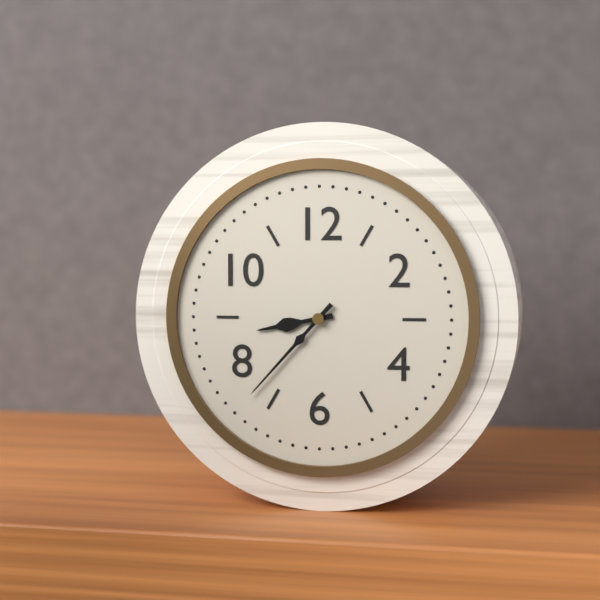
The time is 8:37
